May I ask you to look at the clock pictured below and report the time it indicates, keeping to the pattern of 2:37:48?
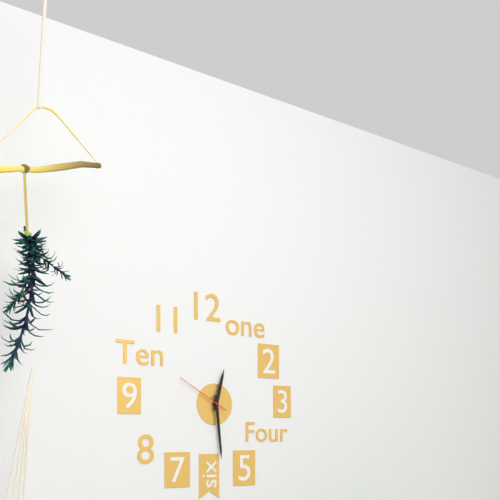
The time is 12:29:50
